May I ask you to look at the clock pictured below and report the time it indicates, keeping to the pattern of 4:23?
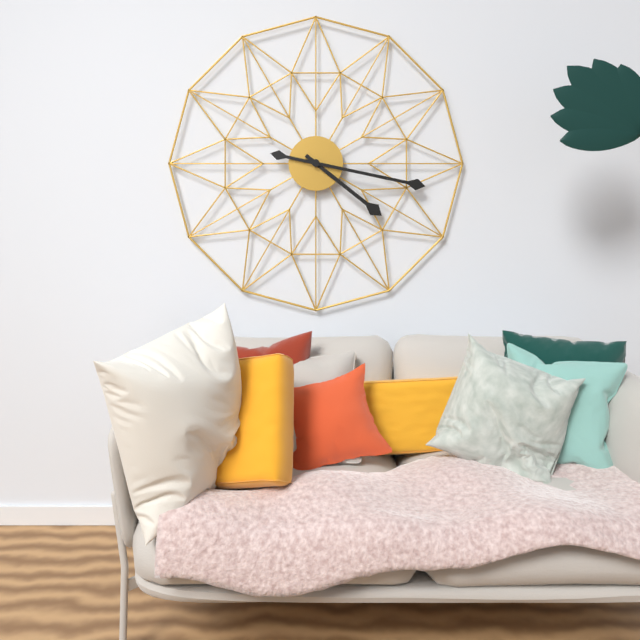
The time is 4:17
